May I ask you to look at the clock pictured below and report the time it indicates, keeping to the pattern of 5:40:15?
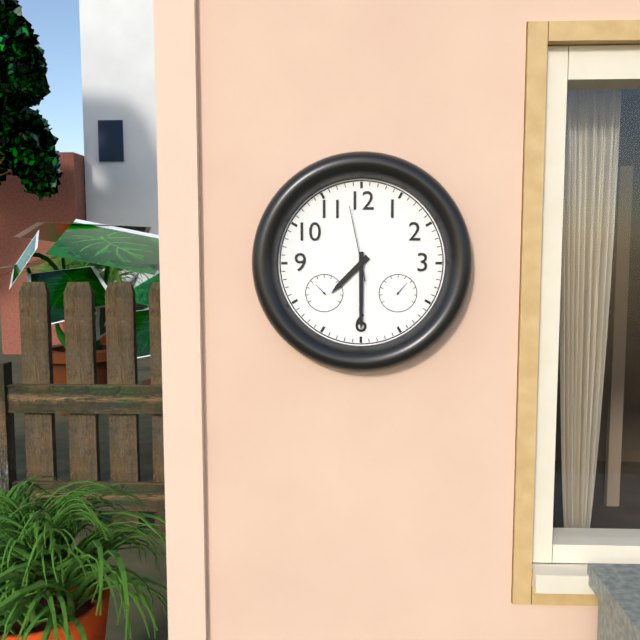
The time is 7:30:58
